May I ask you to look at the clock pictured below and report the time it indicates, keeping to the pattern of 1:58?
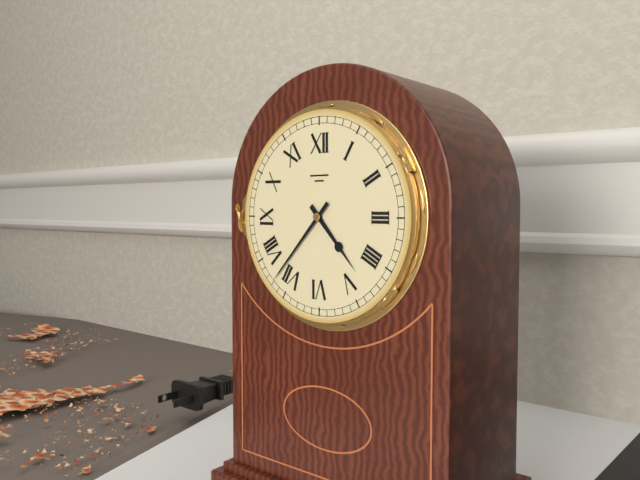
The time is 4:37
